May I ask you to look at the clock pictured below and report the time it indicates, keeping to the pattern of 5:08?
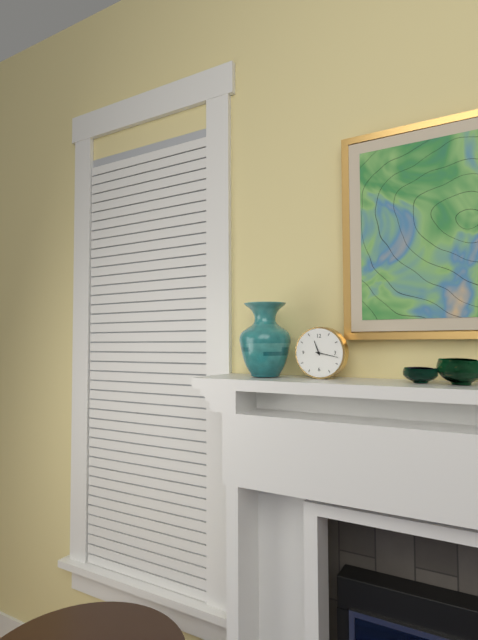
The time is 11:17
